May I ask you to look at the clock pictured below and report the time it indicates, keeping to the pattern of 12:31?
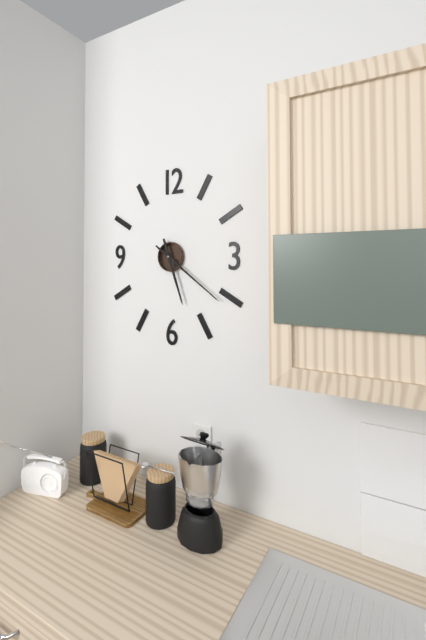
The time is 5:21
